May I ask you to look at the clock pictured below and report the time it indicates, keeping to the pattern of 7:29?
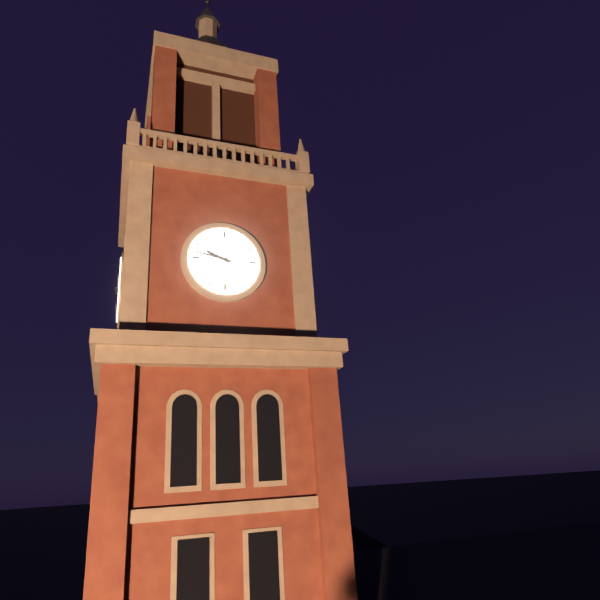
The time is 9:47
